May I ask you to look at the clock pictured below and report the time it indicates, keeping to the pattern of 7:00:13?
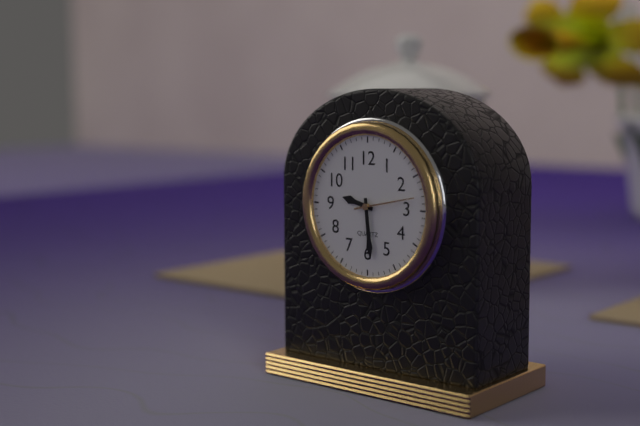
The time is 9:29:13
